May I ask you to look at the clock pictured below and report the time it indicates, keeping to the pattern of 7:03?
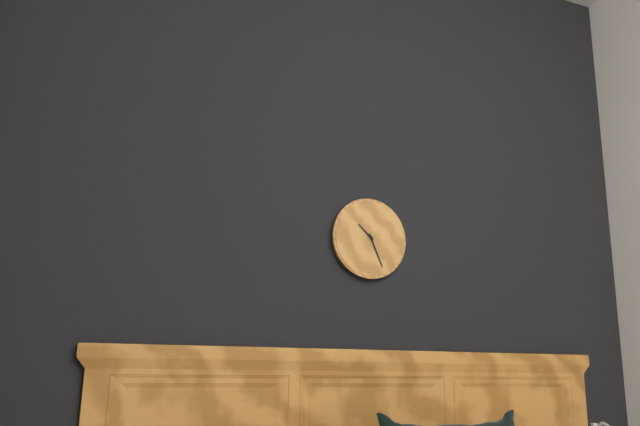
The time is 10:26
